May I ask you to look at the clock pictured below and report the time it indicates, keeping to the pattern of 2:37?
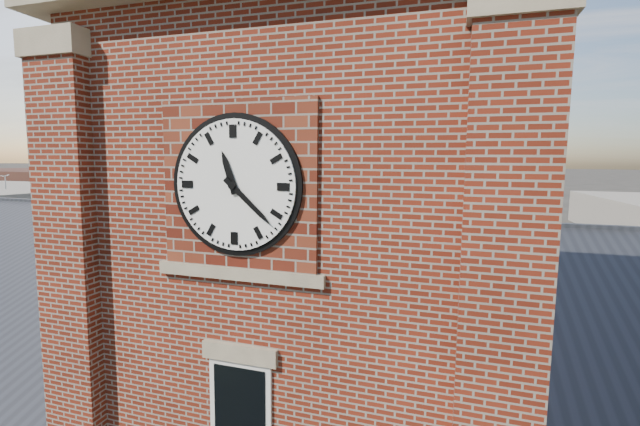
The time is 11:22
